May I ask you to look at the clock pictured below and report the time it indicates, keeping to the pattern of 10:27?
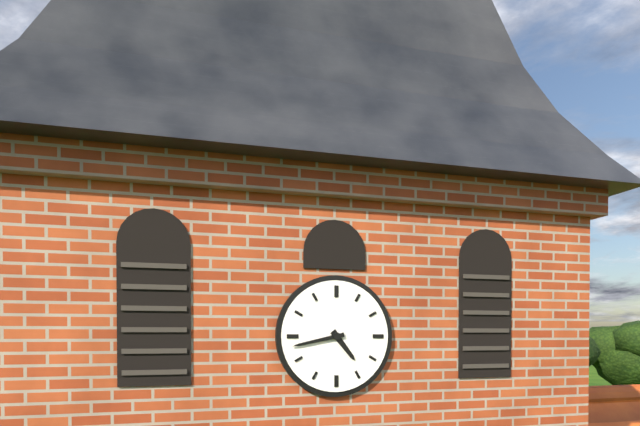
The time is 4:43
